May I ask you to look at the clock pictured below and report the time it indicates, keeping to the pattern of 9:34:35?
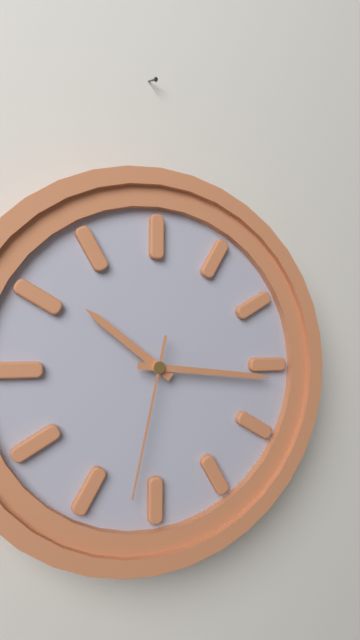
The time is 10:16:32
